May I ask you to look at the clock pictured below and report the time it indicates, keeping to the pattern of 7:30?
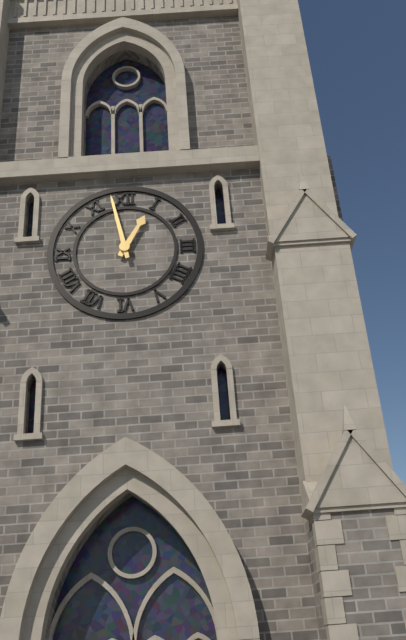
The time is 12:58
